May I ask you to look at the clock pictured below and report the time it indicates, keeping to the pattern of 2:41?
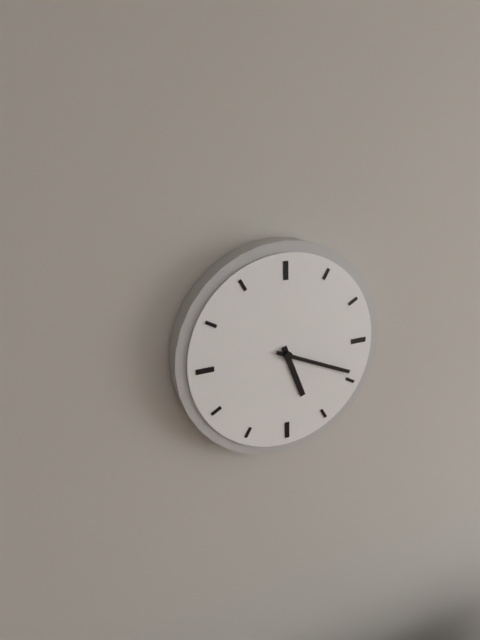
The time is 5:19
